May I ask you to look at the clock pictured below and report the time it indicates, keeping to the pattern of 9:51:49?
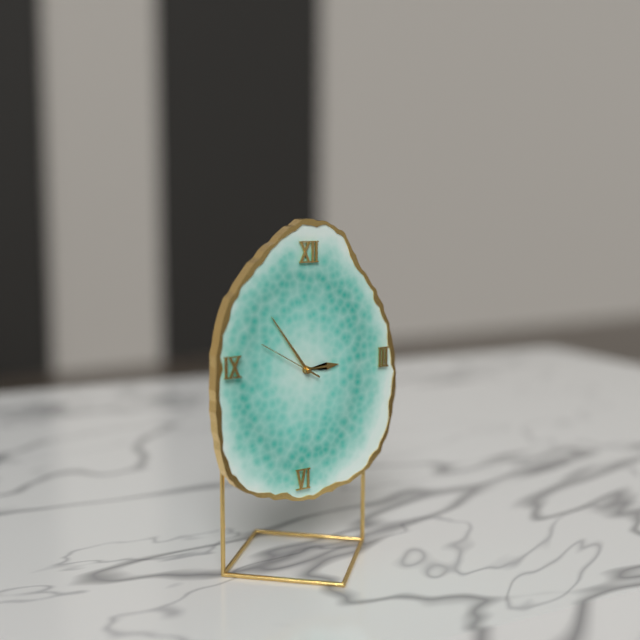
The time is 2:54:50
